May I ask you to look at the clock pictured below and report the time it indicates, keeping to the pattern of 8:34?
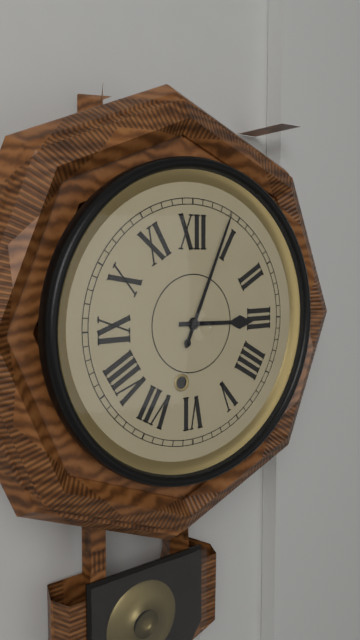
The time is 3:04
